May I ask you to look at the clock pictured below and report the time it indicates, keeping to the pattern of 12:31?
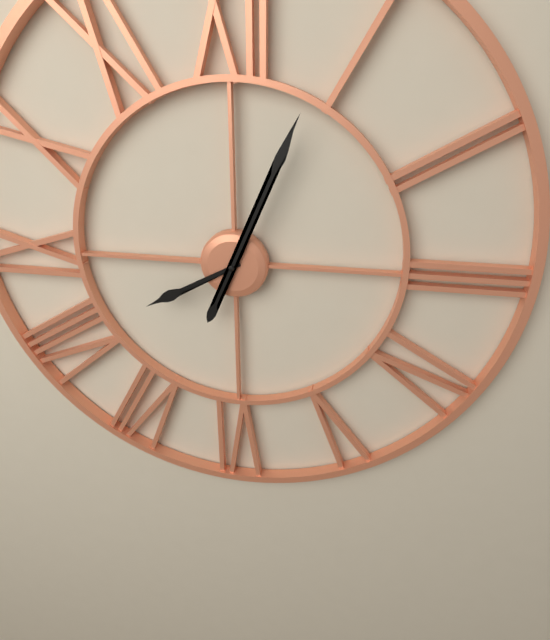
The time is 8:04
